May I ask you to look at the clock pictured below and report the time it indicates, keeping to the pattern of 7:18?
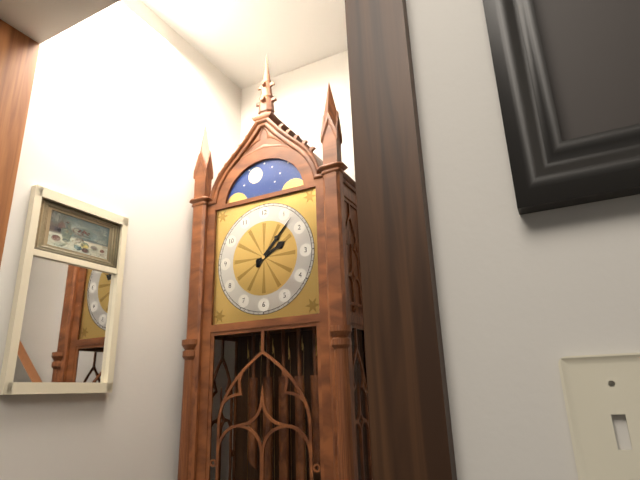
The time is 2:07
